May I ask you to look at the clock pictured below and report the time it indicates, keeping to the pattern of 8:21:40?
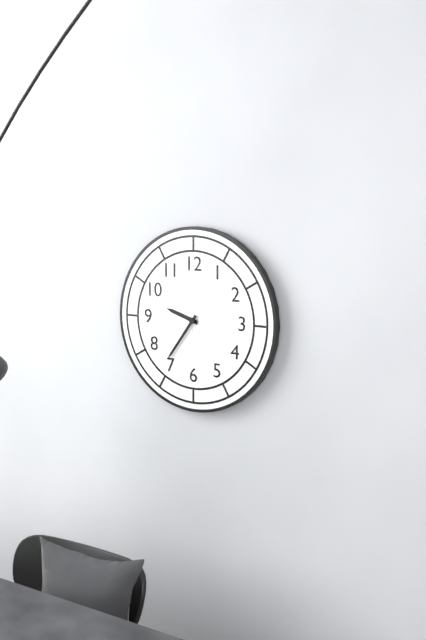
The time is 9:36:59
